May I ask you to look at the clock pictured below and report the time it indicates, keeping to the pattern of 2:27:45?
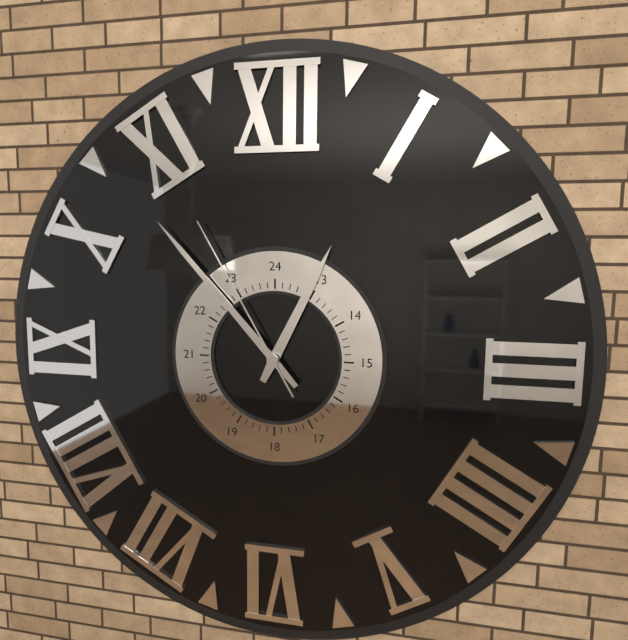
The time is 12:53:55
